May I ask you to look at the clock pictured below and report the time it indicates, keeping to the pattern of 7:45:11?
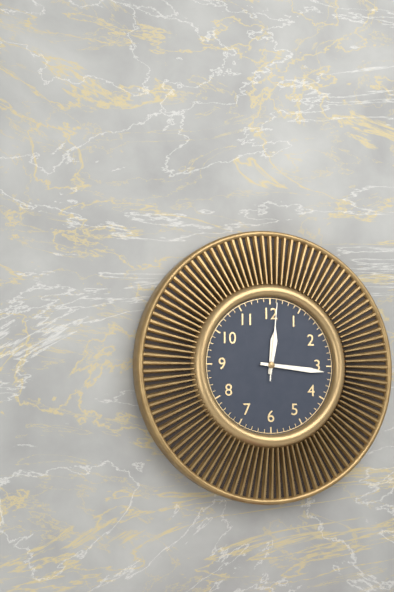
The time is 12:16:01
